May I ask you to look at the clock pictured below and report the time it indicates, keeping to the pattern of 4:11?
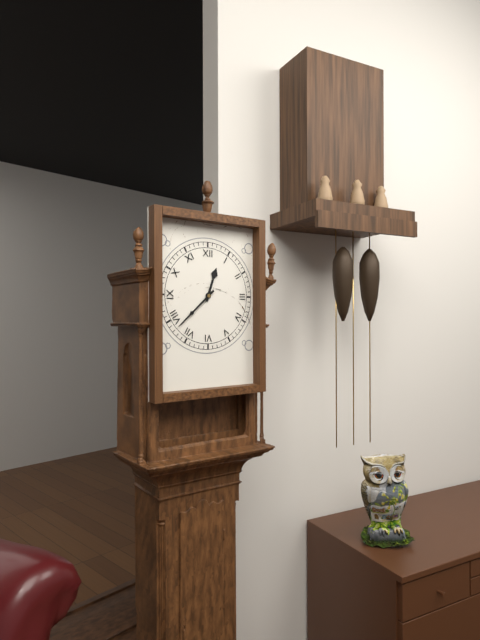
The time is 12:38
